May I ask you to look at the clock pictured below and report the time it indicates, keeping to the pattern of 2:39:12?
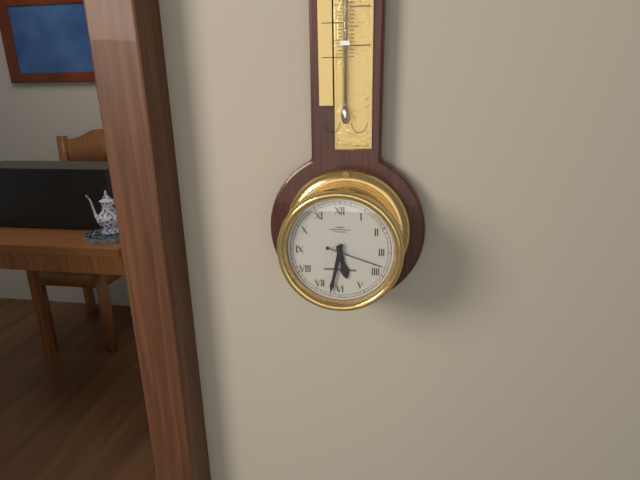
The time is 5:32:18
